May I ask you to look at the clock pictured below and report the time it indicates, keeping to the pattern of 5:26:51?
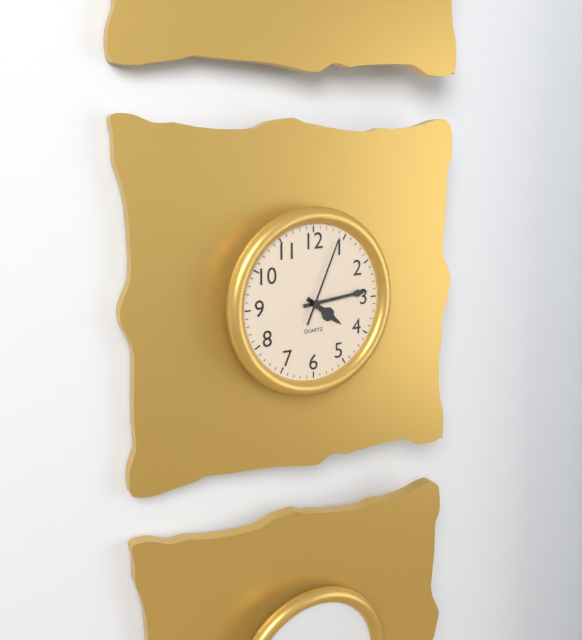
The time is 4:14:04
